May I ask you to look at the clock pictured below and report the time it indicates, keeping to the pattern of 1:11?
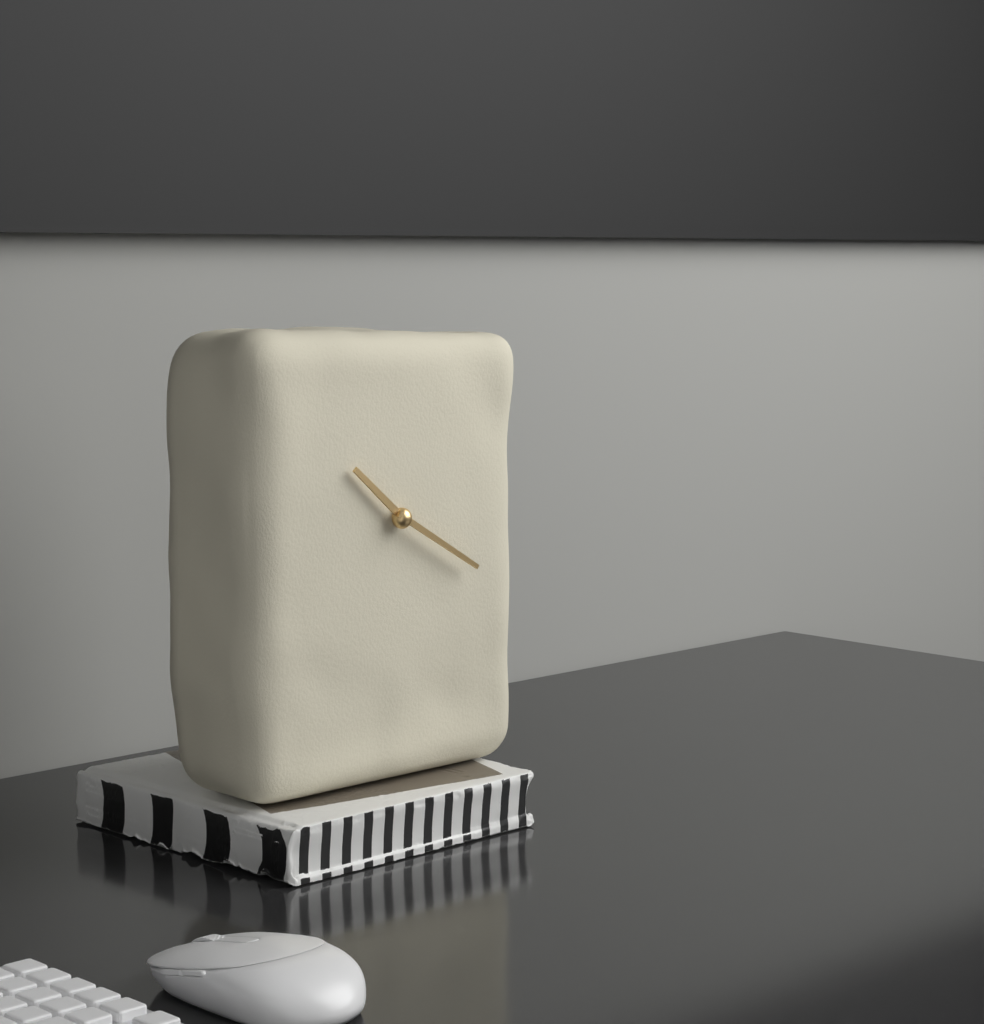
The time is 10:20
